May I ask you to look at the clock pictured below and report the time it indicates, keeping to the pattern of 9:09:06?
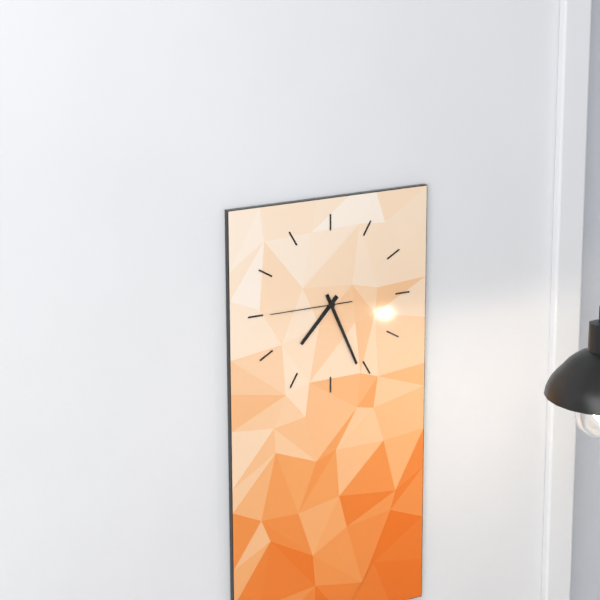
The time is 7:26:45
